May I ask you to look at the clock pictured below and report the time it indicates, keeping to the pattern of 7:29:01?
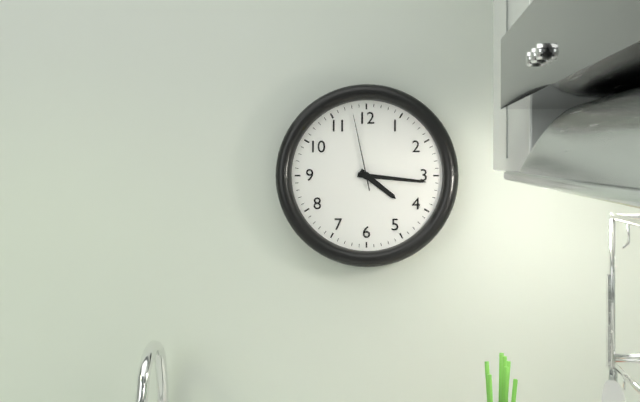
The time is 4:16:58
